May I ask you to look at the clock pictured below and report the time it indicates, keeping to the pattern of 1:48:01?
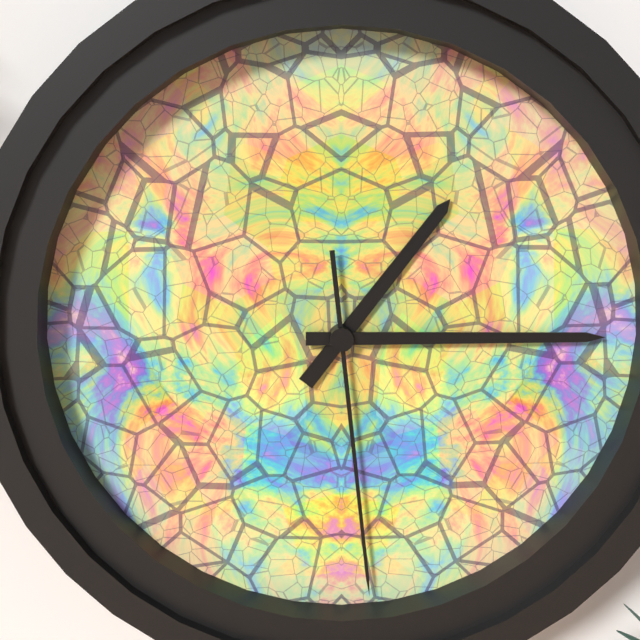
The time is 1:15:29
